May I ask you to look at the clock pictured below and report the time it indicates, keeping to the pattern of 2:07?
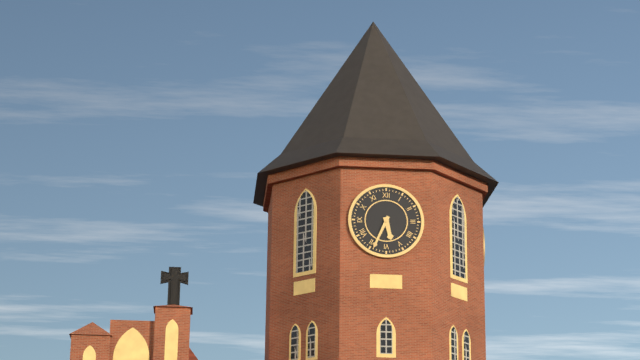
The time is 5:34
